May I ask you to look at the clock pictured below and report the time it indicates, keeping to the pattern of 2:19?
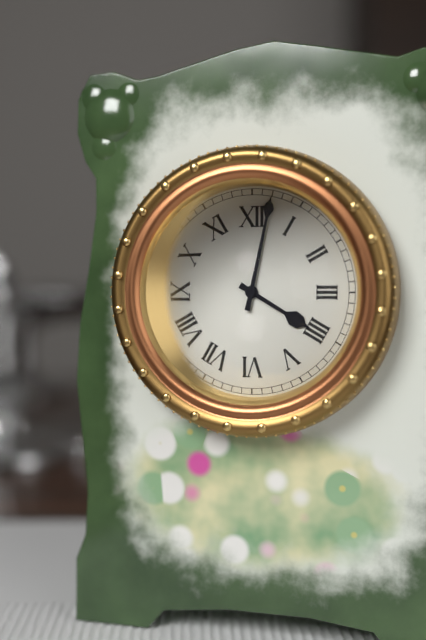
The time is 4:02
